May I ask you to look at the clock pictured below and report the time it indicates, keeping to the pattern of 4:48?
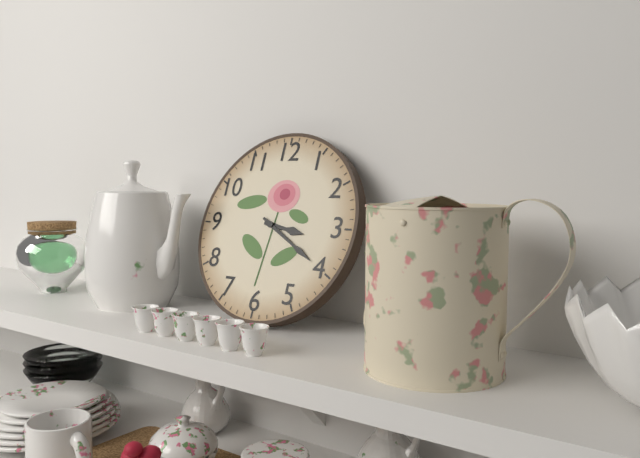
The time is 3:20
